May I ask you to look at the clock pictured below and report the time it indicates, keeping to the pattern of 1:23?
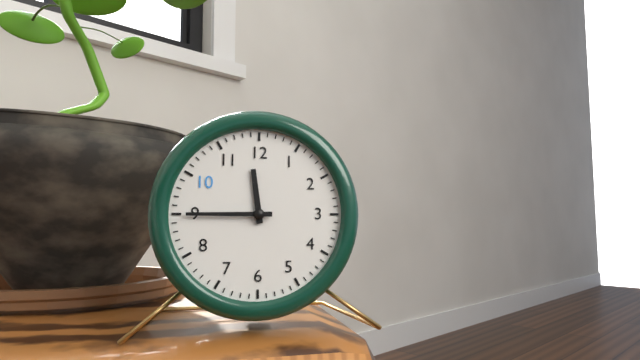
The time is 11:45
